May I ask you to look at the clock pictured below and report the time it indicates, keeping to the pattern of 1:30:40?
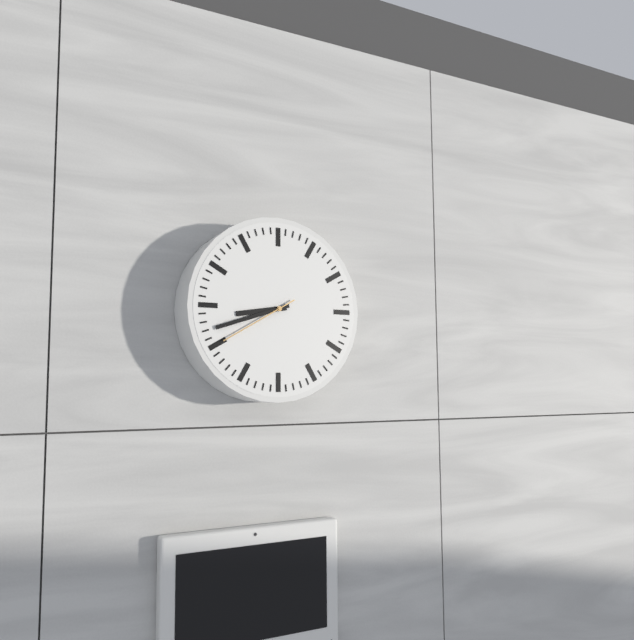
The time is 8:42:40
